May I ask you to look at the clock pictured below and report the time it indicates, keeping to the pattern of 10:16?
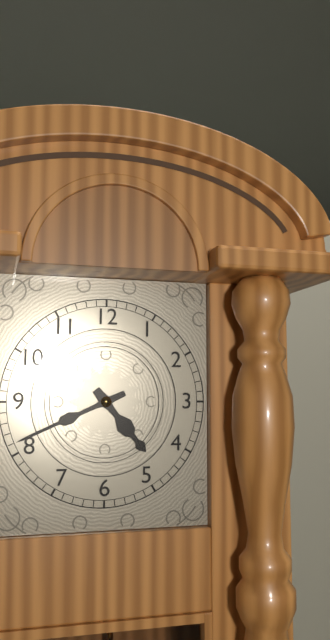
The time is 4:41
